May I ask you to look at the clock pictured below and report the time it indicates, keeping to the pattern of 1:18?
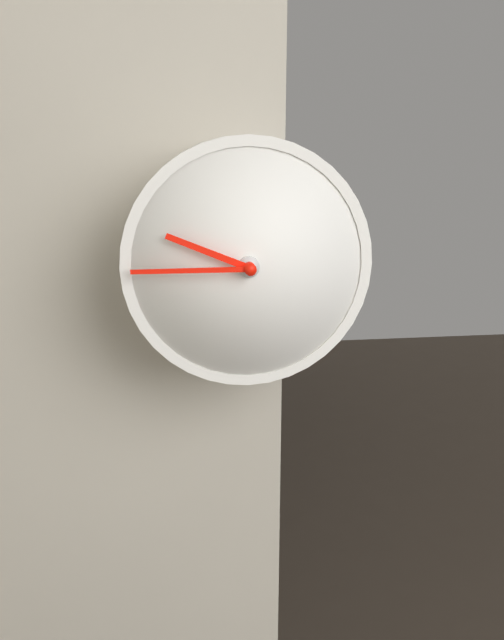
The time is 9:45
